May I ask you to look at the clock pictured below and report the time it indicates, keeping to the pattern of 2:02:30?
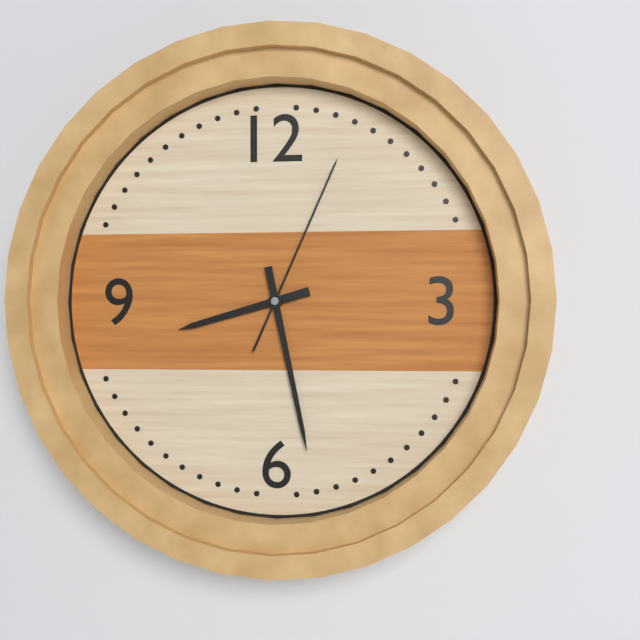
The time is 8:28:04
